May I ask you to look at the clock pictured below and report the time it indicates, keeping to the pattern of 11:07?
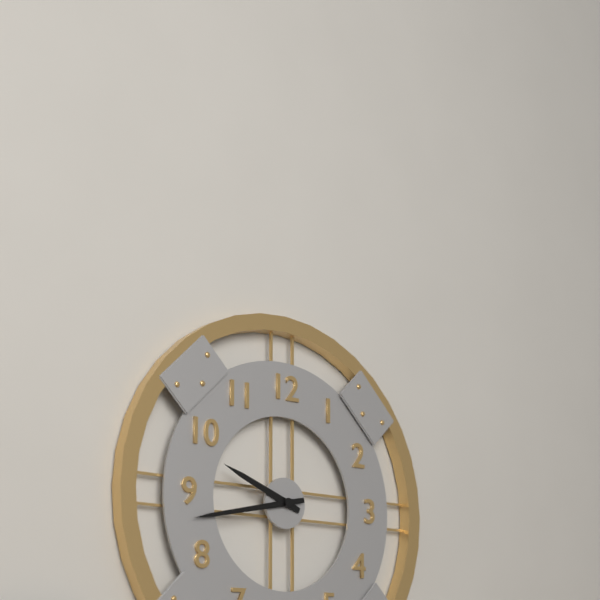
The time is 9:43
